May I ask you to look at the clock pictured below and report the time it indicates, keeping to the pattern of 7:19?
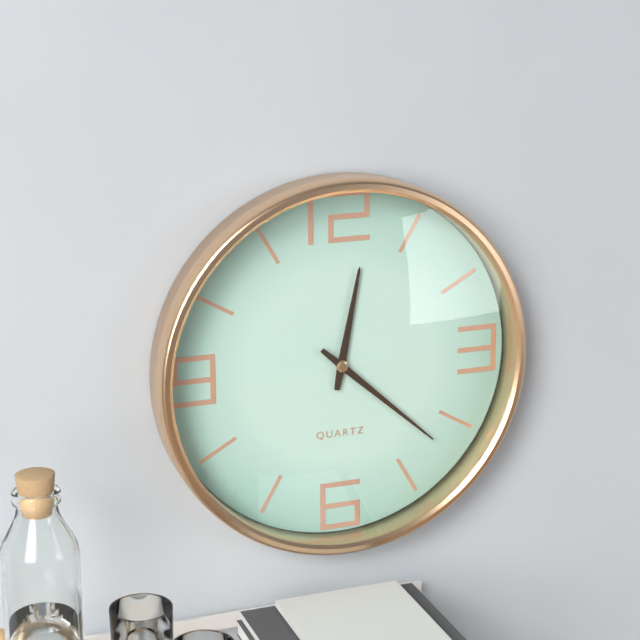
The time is 12:22
